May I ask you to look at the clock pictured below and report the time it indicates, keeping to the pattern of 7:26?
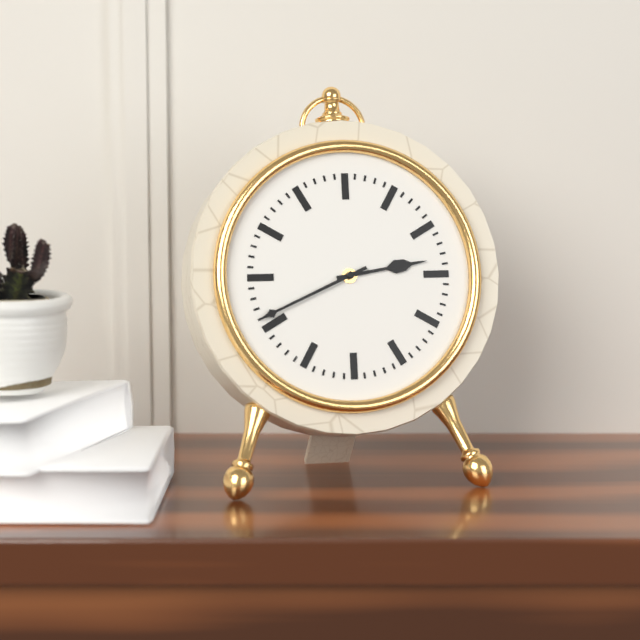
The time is 2:41
